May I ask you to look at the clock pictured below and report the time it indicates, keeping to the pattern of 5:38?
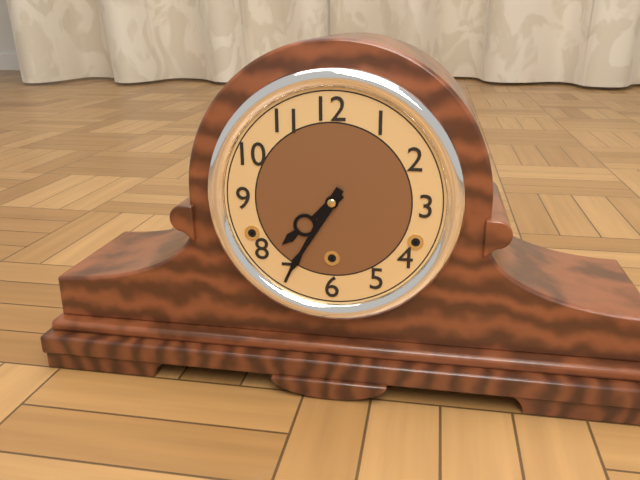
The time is 7:35
